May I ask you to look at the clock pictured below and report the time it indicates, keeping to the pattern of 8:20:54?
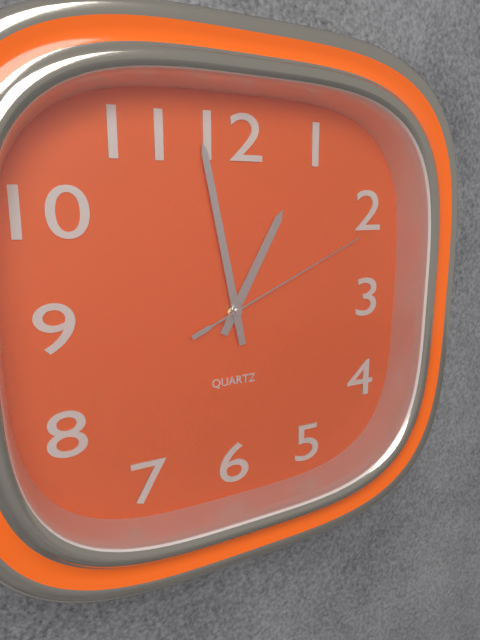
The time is 12:58:11
